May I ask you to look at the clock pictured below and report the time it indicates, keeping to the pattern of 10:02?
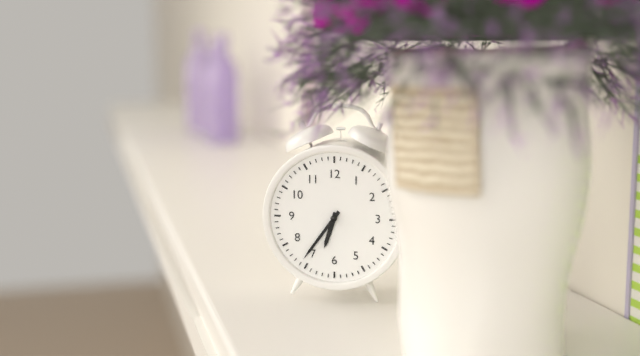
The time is 6:36
